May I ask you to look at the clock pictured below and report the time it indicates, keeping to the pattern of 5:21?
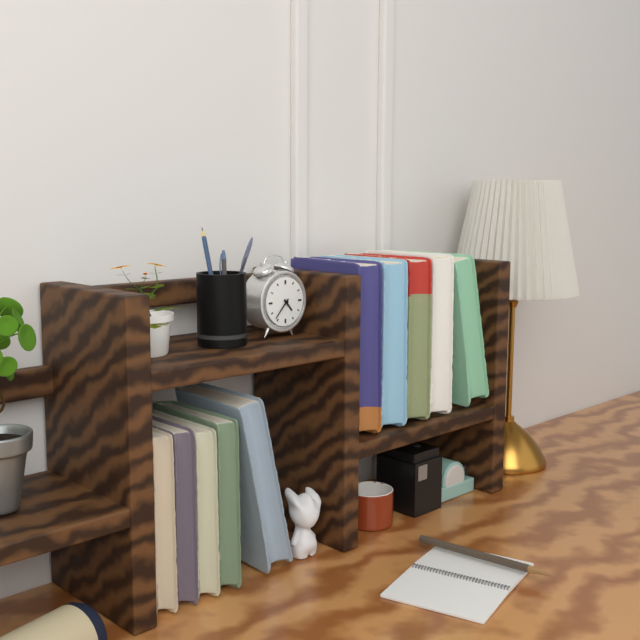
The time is 4:37
